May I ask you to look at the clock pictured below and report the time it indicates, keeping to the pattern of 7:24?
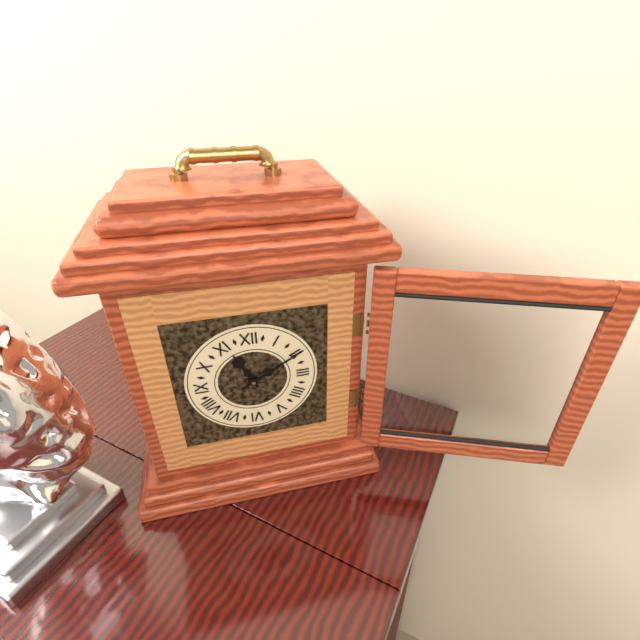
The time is 11:10
